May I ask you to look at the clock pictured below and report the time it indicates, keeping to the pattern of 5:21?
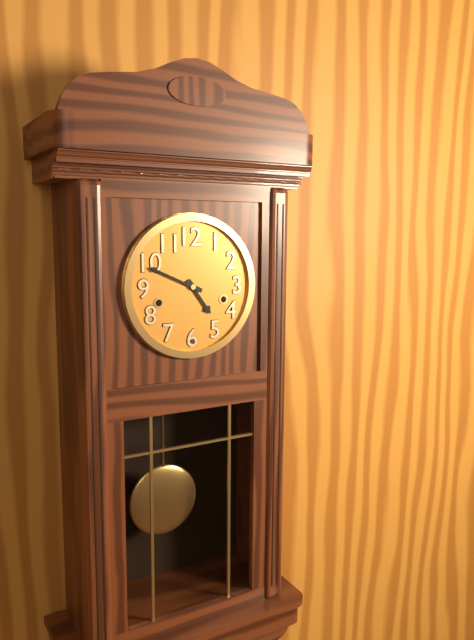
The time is 4:49
